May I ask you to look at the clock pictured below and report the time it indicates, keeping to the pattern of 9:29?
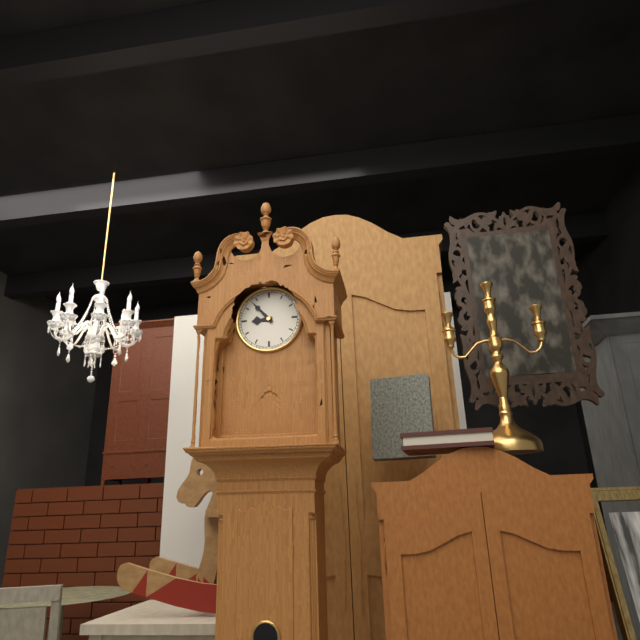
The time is 8:53
